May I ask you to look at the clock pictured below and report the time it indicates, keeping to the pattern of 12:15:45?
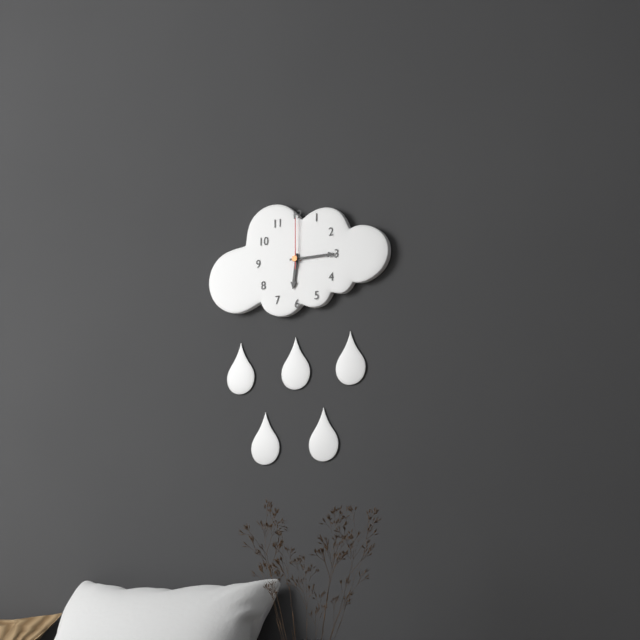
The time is 6:15:00
